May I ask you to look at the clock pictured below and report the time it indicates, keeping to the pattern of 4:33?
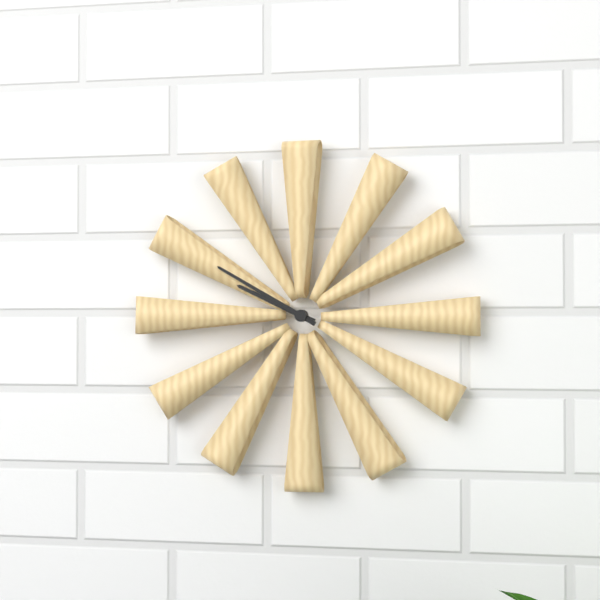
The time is 9:50
